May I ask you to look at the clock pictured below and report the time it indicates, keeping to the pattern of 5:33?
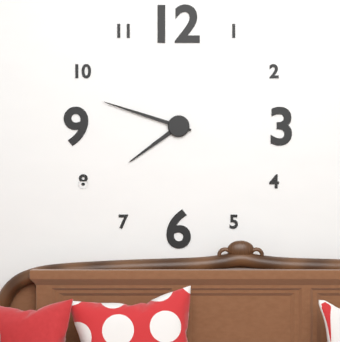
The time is 7:48
